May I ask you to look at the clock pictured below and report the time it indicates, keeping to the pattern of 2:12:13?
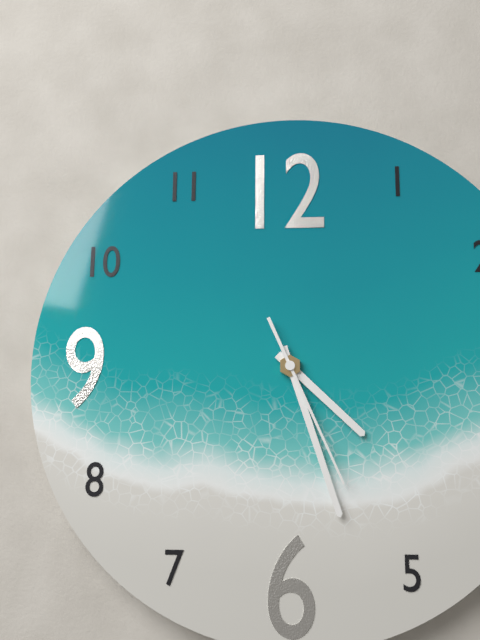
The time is 4:27:26
